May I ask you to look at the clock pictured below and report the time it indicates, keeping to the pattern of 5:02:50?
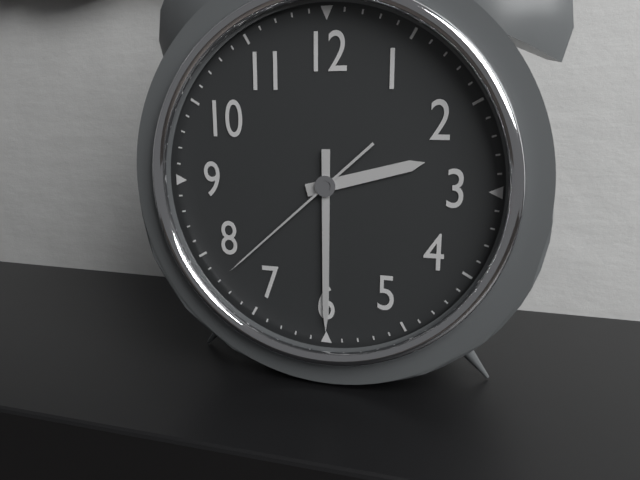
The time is 2:30:38
